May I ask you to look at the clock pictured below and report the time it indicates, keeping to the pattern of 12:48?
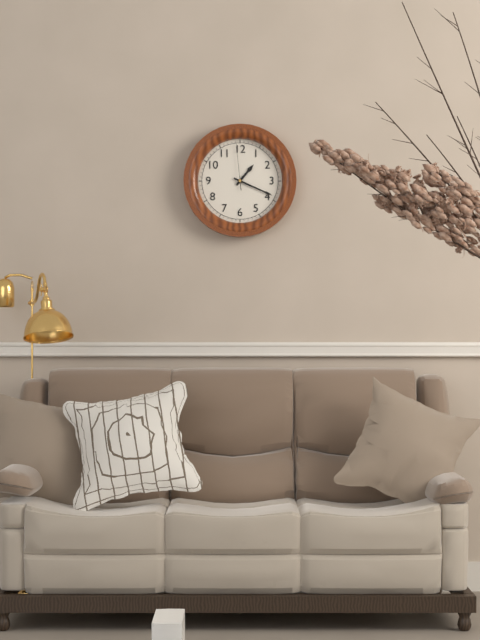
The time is 1:19
